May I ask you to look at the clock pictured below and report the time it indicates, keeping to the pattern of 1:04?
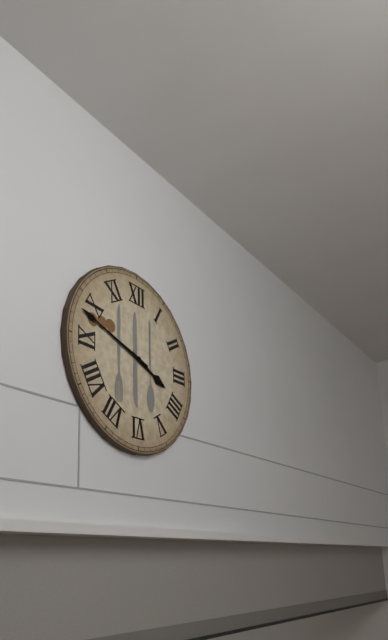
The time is 3:48
